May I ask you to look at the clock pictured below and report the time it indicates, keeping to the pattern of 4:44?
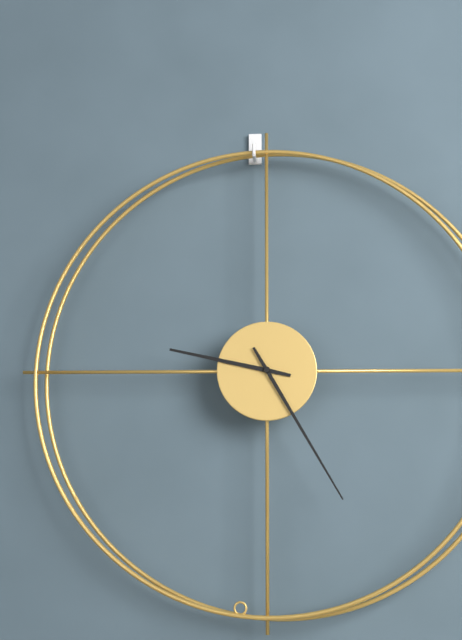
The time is 9:25
